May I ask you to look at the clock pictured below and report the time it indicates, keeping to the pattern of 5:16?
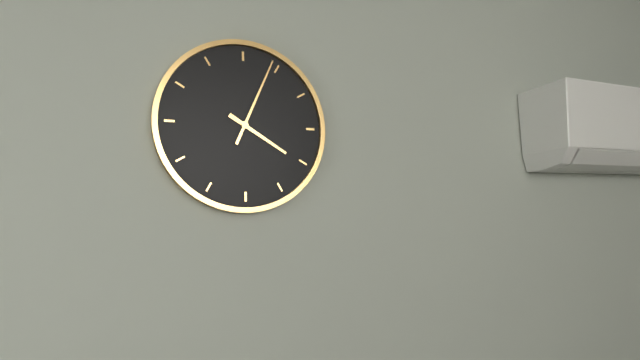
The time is 4:04
